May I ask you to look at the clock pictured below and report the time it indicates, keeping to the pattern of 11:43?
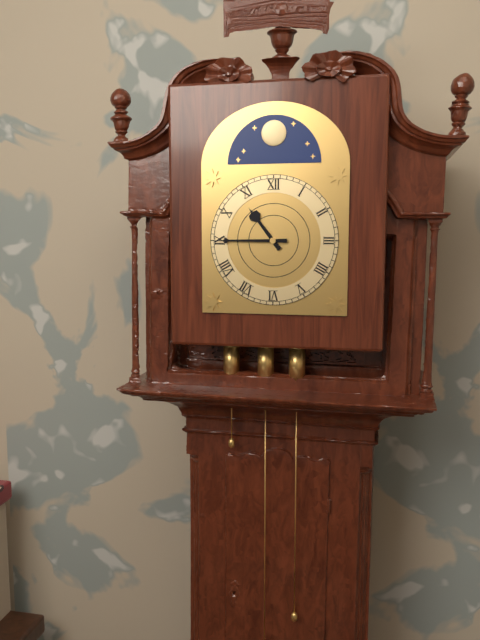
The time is 10:45
